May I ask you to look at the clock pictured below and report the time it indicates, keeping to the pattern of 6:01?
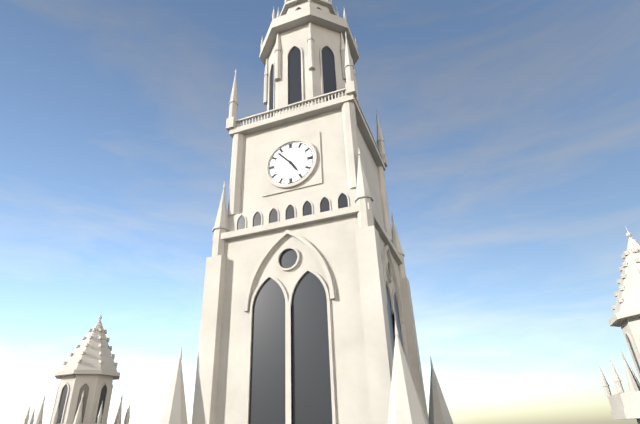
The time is 4:53
